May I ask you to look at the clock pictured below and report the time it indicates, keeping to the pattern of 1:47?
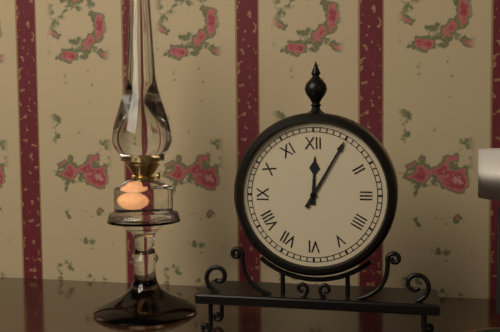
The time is 12:05
